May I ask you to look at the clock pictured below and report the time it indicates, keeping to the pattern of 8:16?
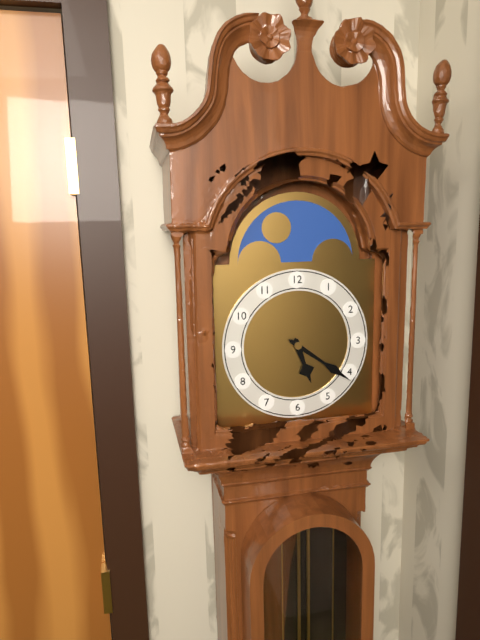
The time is 5:21
